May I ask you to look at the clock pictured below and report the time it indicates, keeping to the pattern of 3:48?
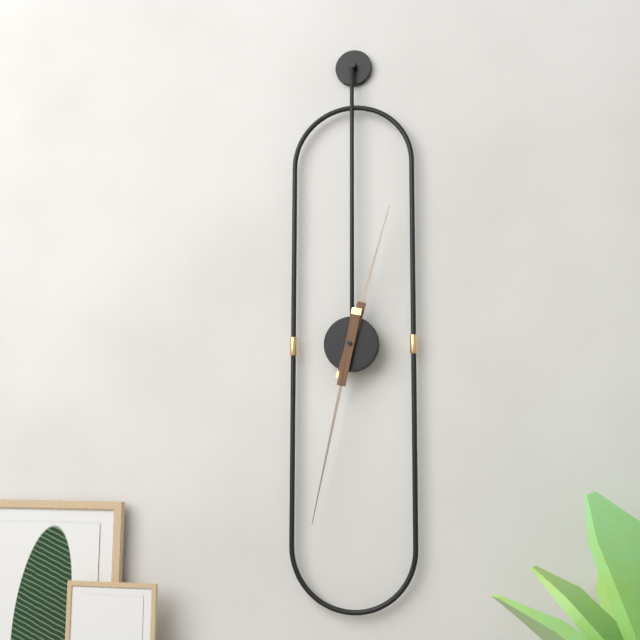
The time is 12:32
